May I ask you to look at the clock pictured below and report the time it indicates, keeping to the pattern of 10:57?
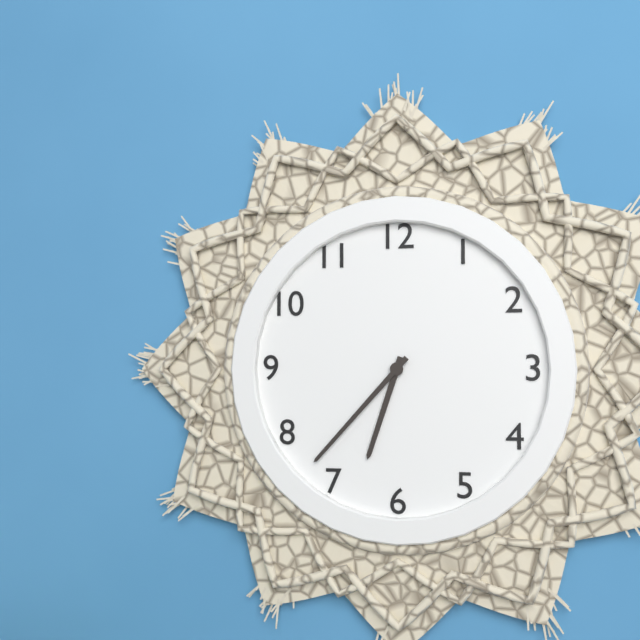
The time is 6:37
